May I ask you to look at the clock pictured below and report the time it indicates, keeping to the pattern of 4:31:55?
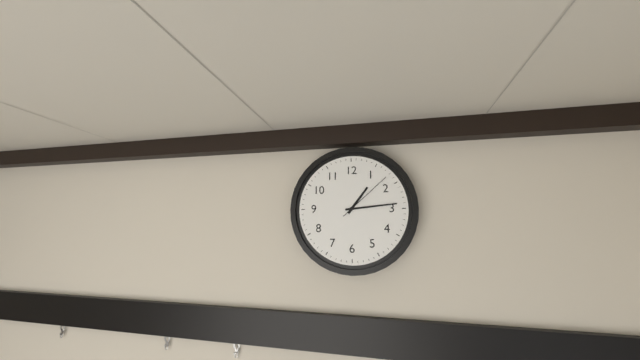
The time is 1:14:08
